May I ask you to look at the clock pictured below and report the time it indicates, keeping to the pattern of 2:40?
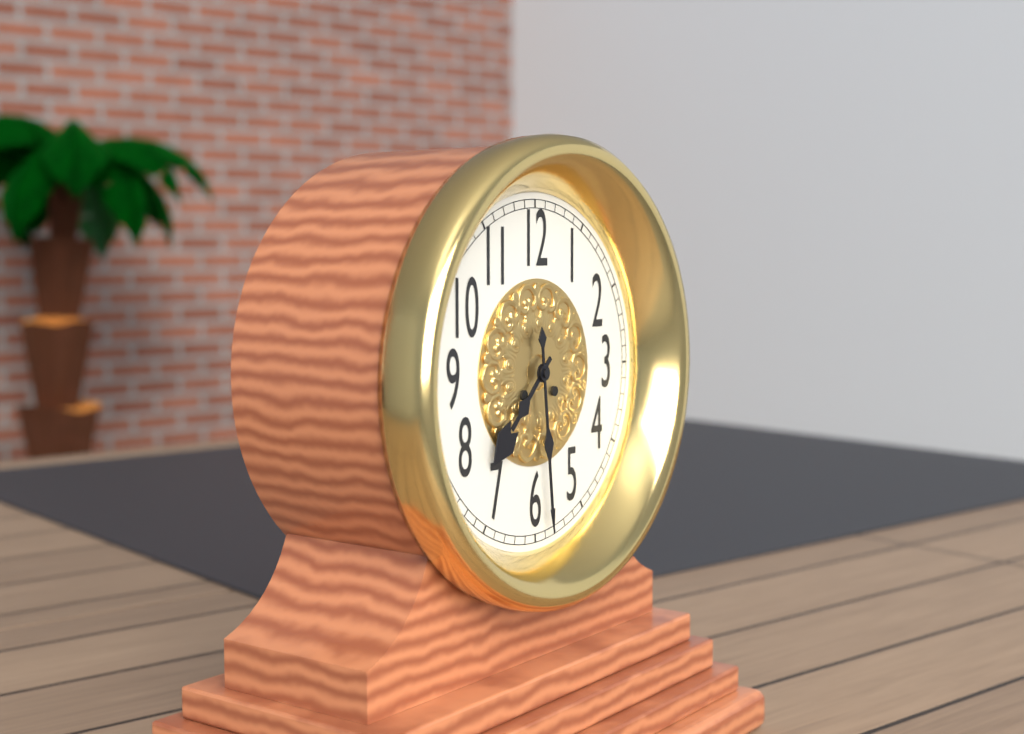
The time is 7:29
